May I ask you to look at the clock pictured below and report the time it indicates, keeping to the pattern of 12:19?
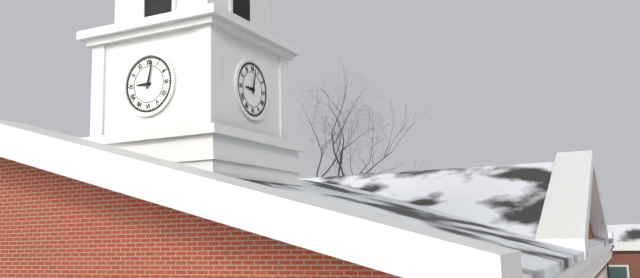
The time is 9:02
